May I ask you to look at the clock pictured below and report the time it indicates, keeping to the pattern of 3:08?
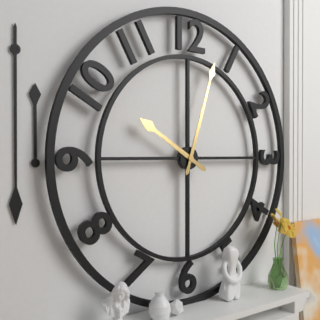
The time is 10:03
